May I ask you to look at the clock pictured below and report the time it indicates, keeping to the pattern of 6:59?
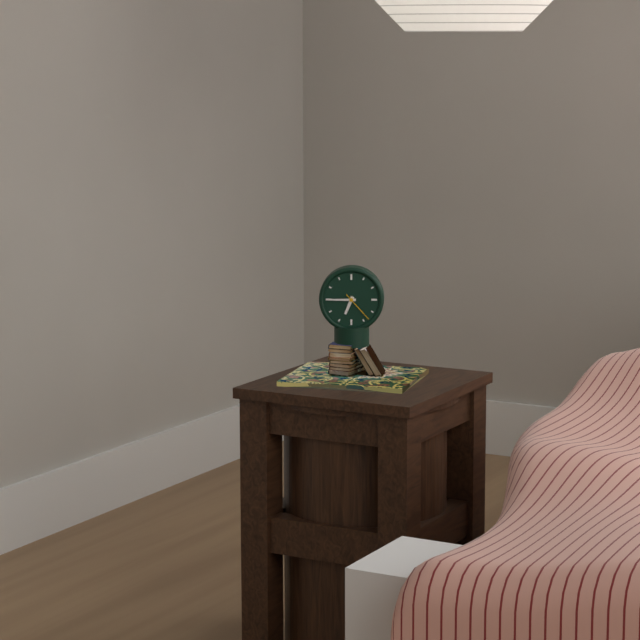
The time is 6:45
